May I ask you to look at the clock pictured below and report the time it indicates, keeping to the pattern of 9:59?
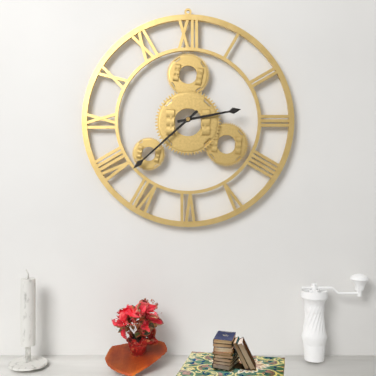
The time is 2:38
